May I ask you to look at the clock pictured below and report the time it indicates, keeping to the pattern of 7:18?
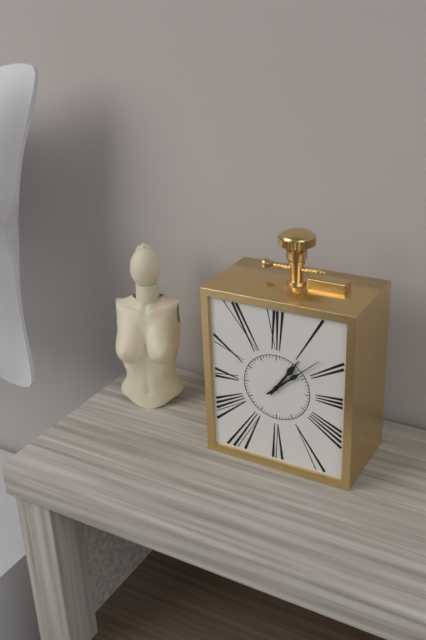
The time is 1:08
